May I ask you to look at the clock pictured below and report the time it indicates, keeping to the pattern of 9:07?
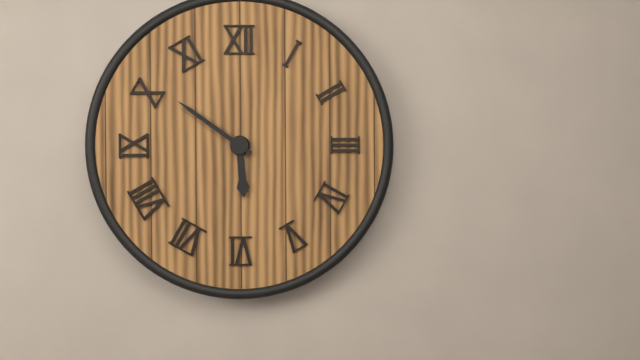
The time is 5:51
